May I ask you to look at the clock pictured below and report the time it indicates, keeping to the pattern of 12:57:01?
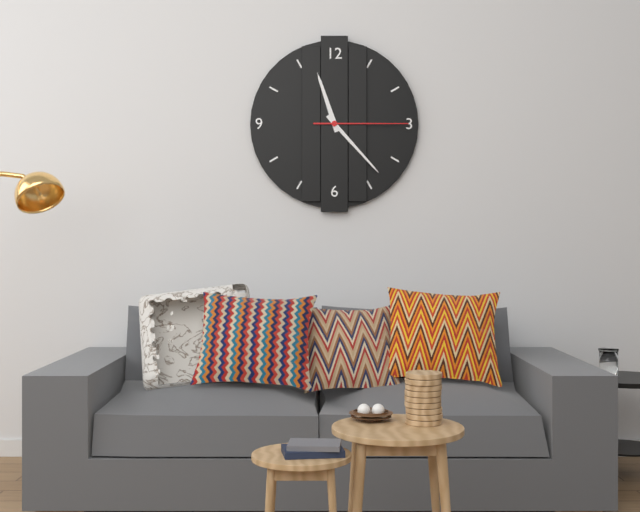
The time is 11:23:15
